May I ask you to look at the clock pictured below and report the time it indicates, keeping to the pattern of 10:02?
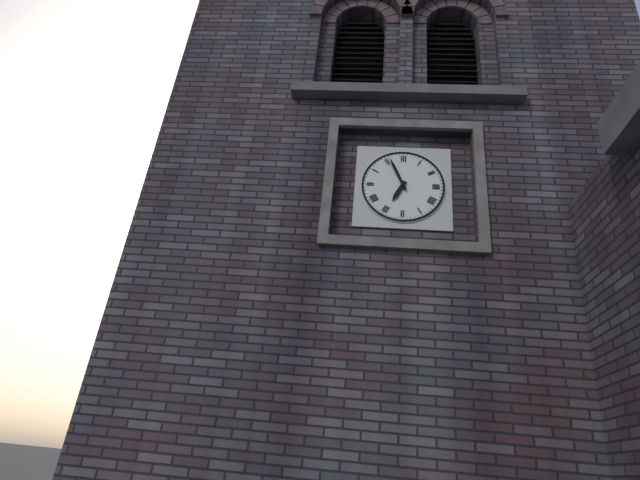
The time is 6:56
